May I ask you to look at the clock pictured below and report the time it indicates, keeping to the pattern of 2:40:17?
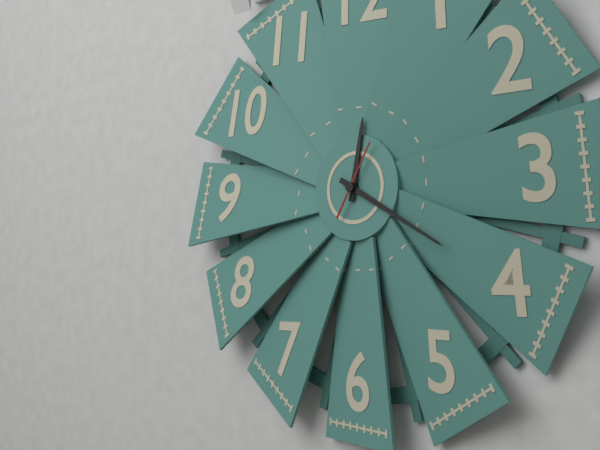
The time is 12:20:05
